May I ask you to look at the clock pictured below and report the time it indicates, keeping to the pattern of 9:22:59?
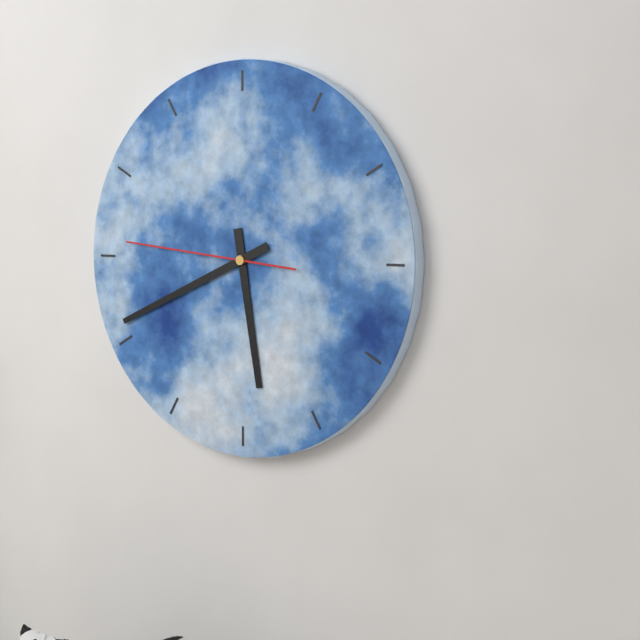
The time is 5:41:46
